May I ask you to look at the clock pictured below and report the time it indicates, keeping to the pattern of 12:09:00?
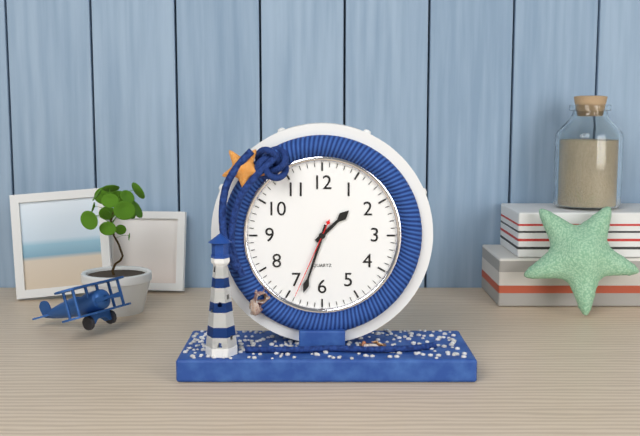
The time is 1:33:34
